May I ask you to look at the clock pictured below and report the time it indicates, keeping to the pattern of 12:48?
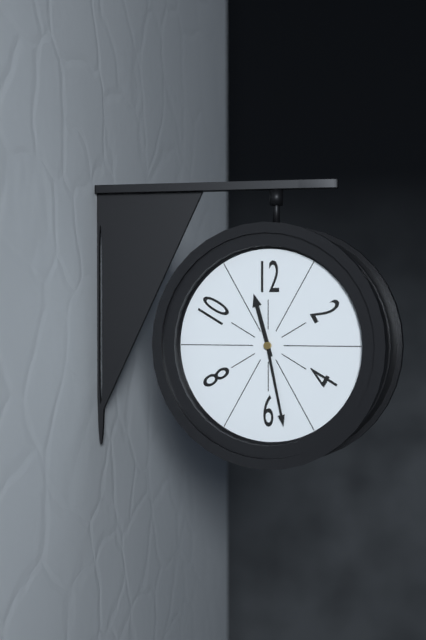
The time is 11:28
